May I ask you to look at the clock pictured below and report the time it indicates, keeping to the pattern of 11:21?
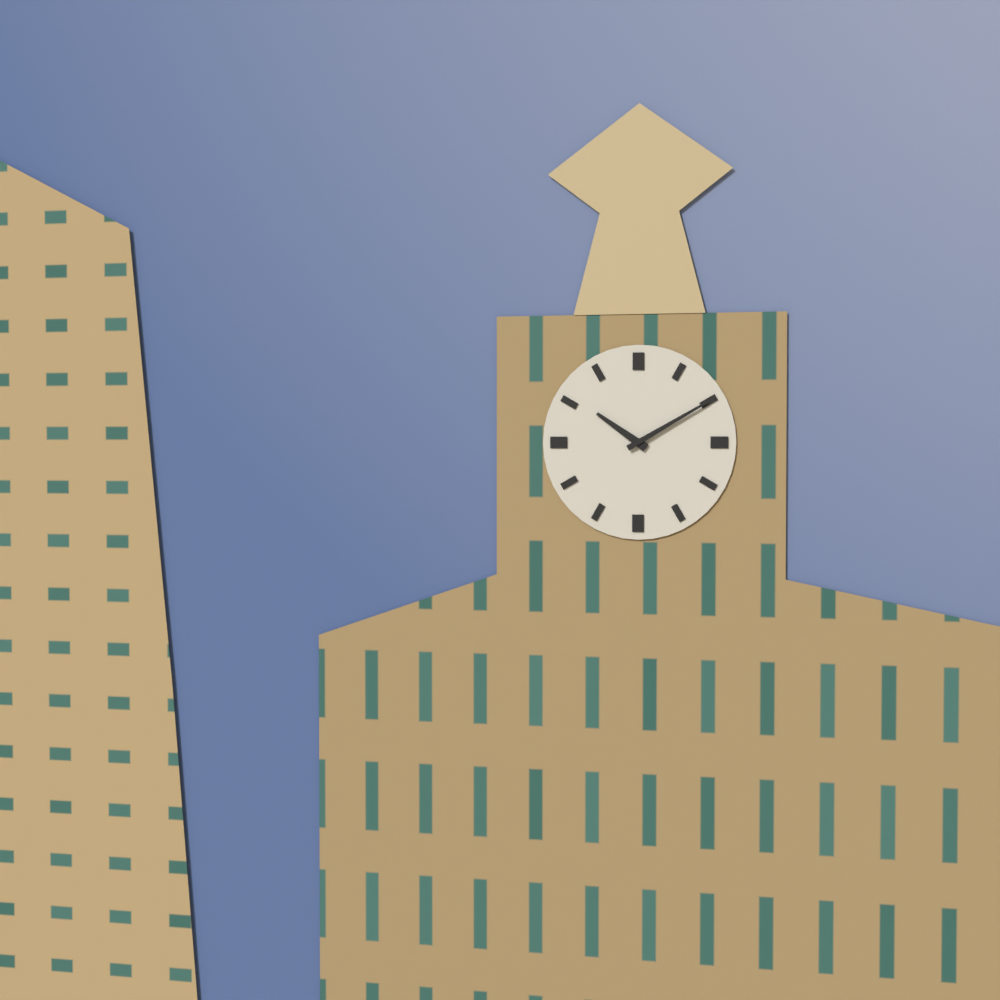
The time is 10:10
